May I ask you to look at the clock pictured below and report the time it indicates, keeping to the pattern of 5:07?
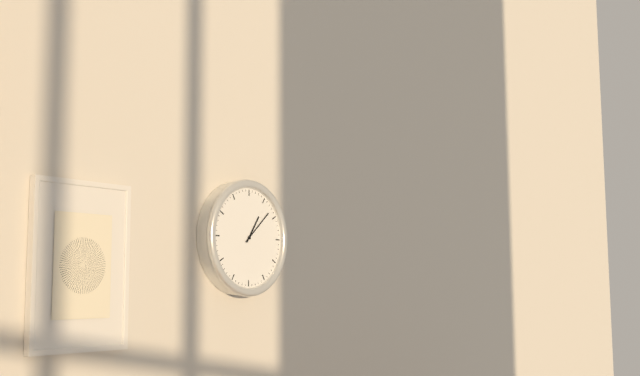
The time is 1:08
